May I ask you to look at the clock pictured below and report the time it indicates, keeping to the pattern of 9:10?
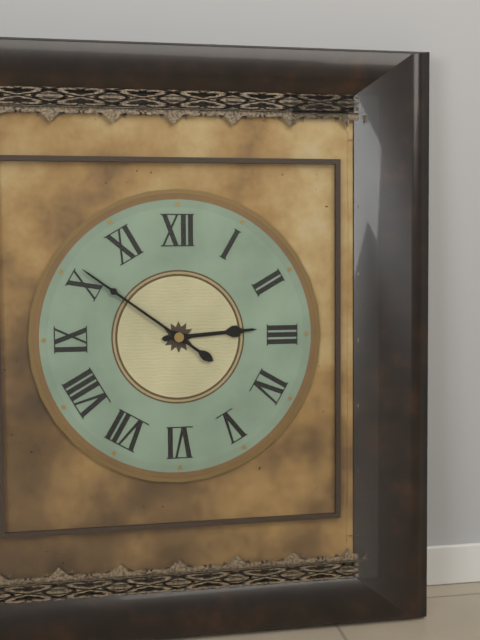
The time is 2:51
